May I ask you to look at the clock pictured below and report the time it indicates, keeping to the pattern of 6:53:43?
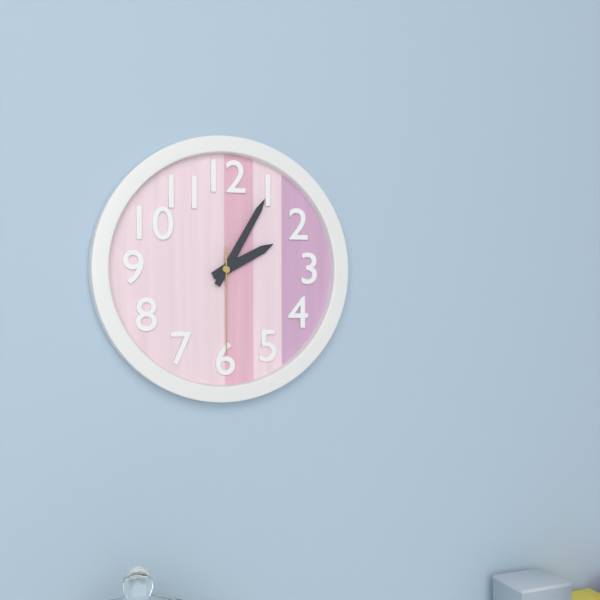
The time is 2:05:30
